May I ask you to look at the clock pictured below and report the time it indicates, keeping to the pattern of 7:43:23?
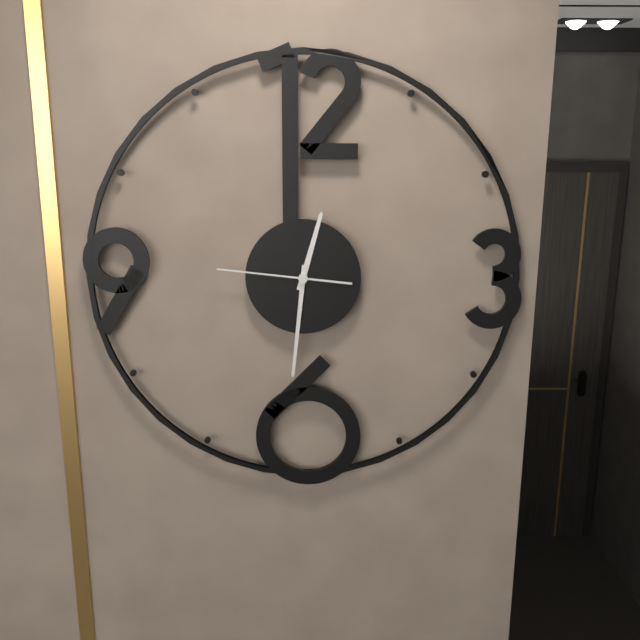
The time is 12:31:46
